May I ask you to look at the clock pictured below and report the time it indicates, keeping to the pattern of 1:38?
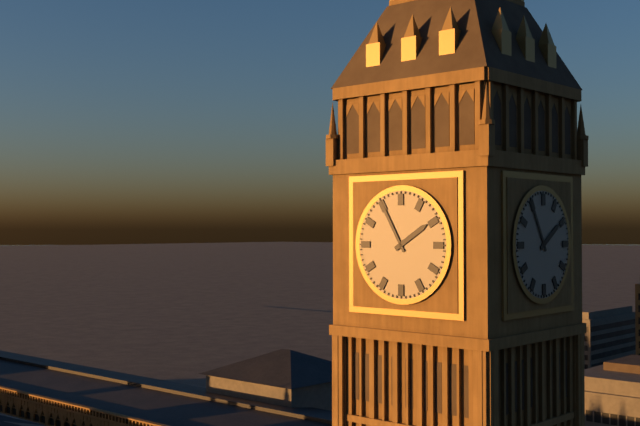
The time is 1:55
